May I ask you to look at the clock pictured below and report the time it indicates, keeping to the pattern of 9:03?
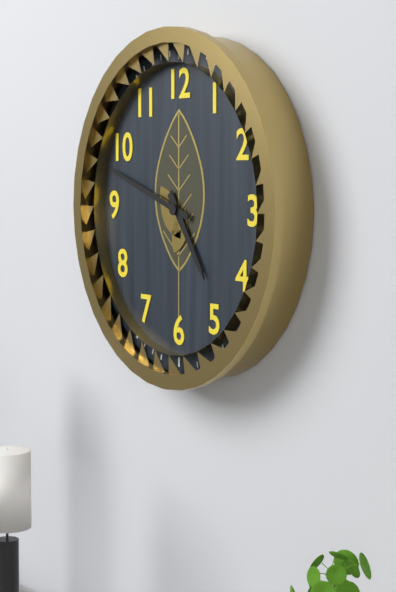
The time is 4:48
